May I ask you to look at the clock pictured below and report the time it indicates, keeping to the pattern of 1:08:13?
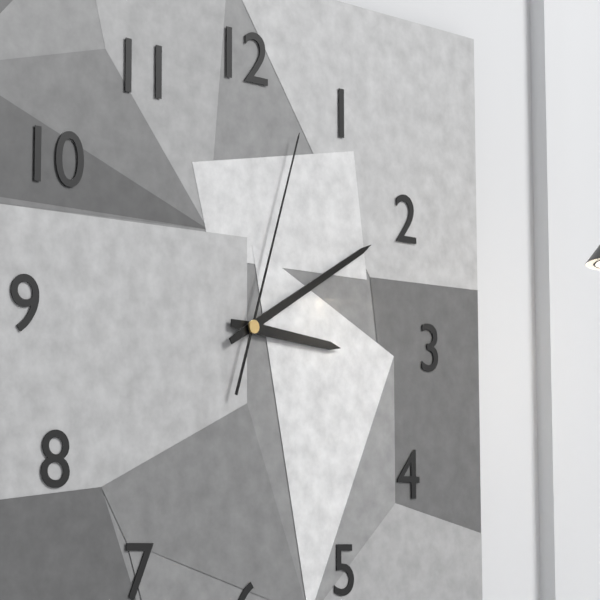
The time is 3:10:03
